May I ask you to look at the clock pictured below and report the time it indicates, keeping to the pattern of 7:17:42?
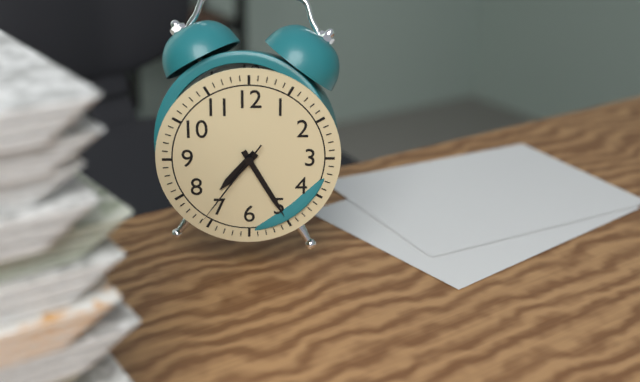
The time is 7:25:36
